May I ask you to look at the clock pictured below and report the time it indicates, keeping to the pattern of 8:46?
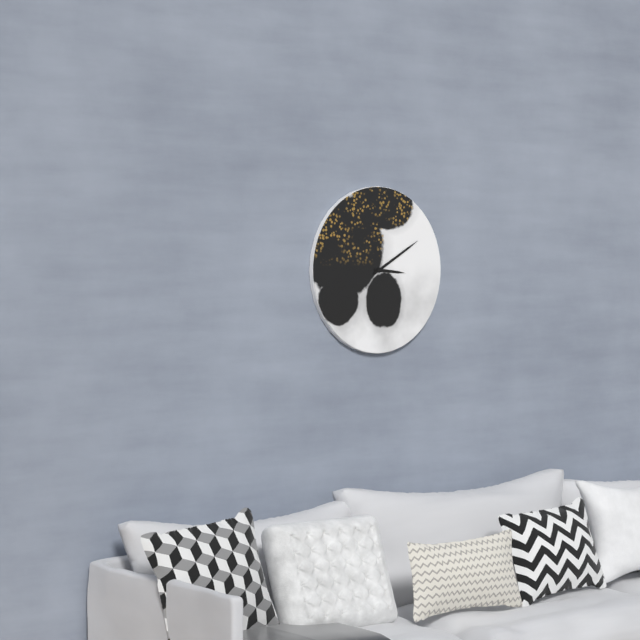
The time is 3:10
